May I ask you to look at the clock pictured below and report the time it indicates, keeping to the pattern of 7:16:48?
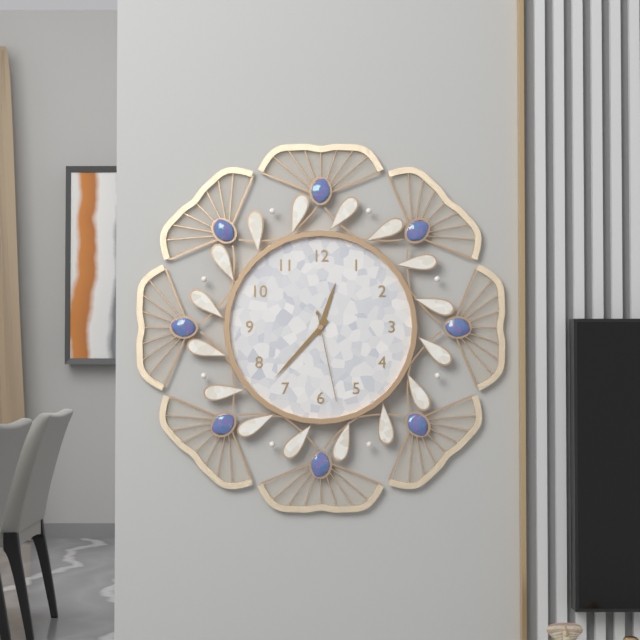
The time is 12:37:28
